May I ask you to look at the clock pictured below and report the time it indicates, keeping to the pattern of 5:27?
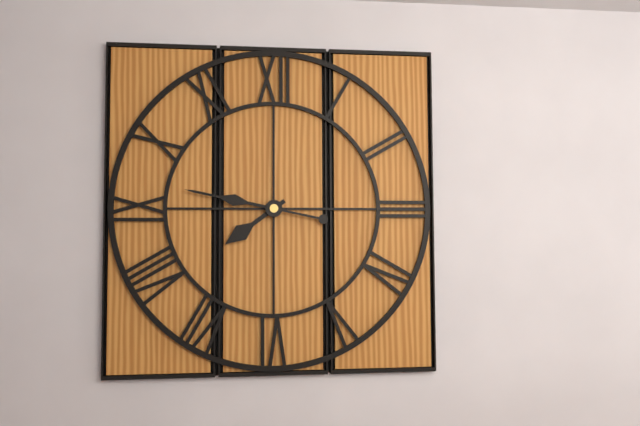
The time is 7:47
